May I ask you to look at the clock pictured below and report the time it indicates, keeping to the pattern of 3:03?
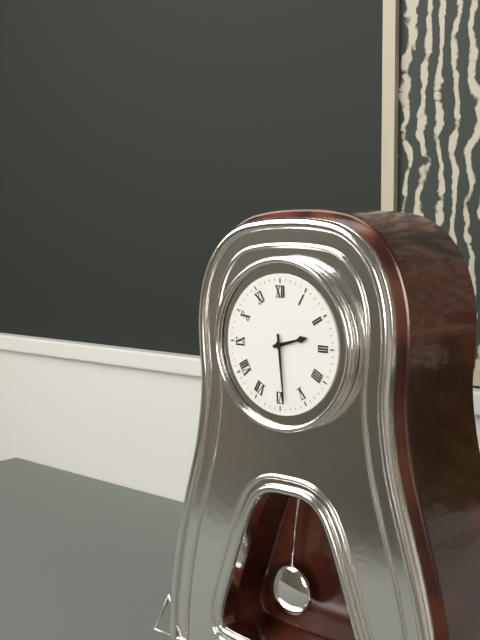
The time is 2:29
